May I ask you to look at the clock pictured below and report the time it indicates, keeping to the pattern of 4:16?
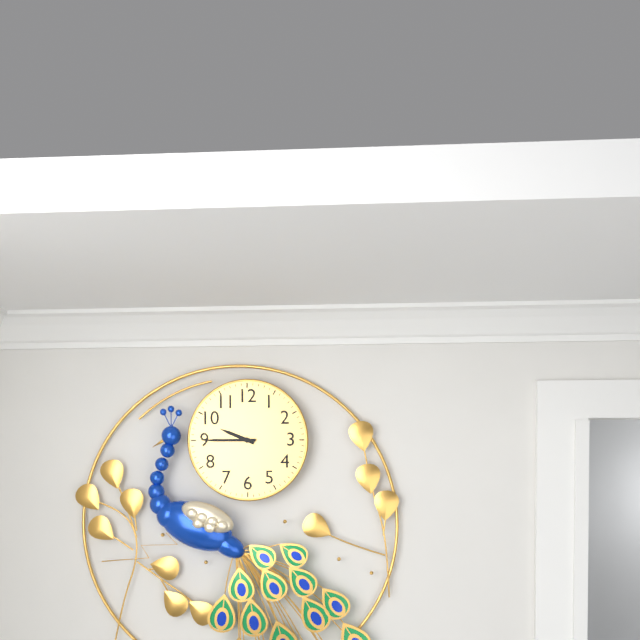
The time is 9:45
